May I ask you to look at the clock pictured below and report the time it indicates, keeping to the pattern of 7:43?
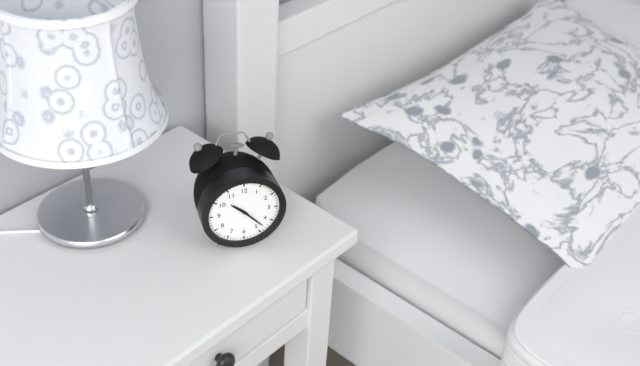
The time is 10:23
